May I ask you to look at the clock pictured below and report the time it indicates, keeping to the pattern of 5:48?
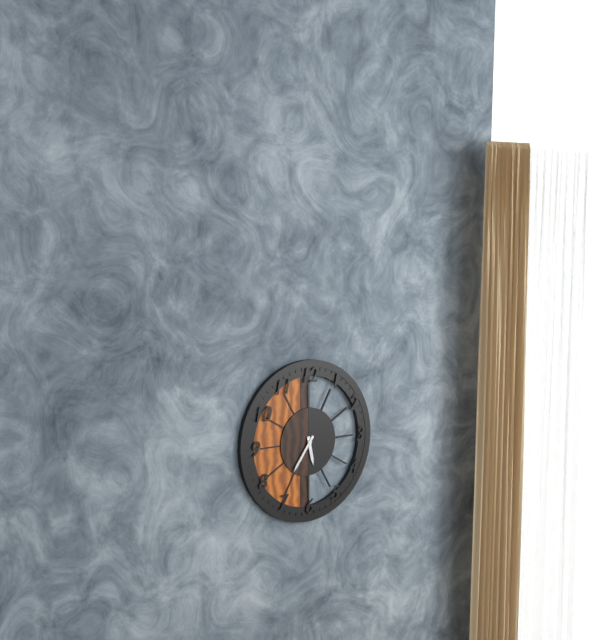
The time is 5:36
